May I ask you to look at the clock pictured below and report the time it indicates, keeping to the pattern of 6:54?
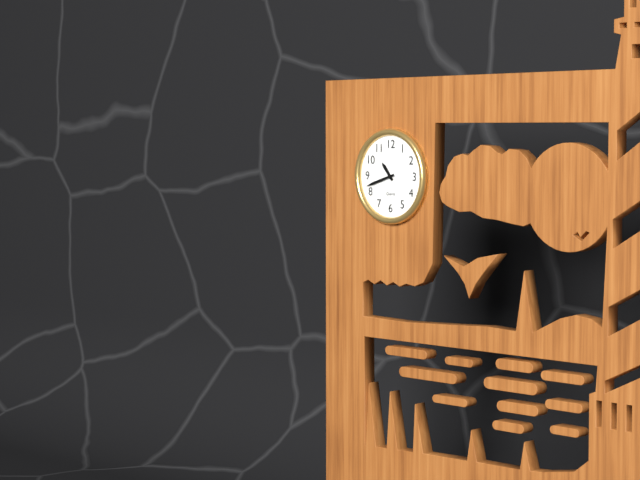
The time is 10:42
